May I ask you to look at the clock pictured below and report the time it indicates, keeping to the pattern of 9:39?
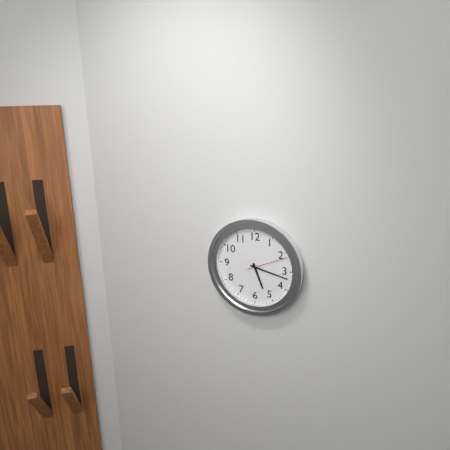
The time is 5:17
